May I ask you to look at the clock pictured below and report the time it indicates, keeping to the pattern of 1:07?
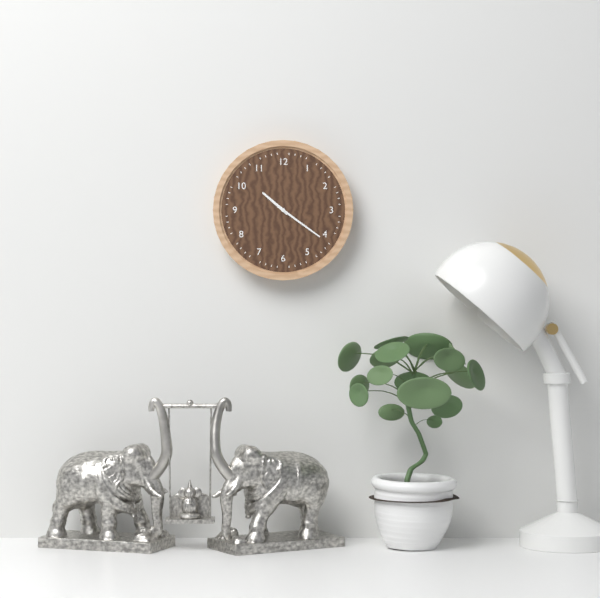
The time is 10:21
